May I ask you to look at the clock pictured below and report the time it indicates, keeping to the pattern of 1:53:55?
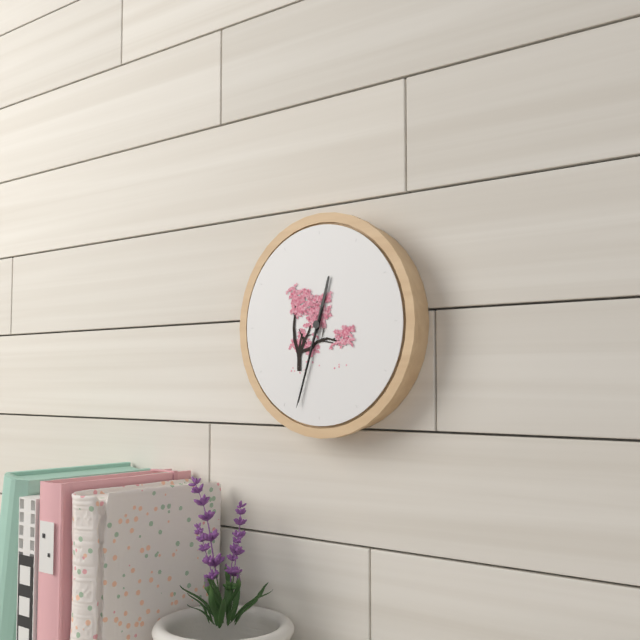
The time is 12:33:33
